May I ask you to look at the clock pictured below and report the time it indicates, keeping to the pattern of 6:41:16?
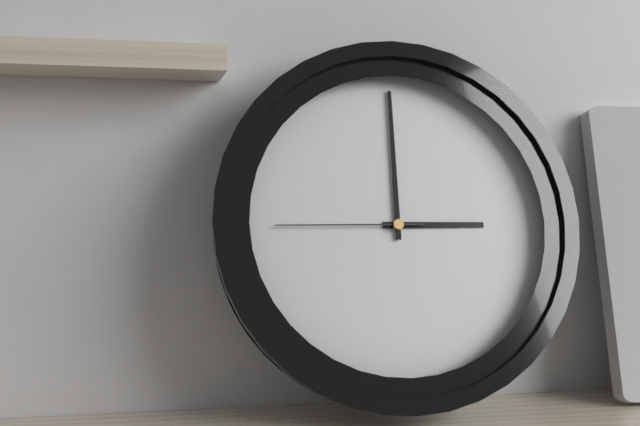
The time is 3:00:45
